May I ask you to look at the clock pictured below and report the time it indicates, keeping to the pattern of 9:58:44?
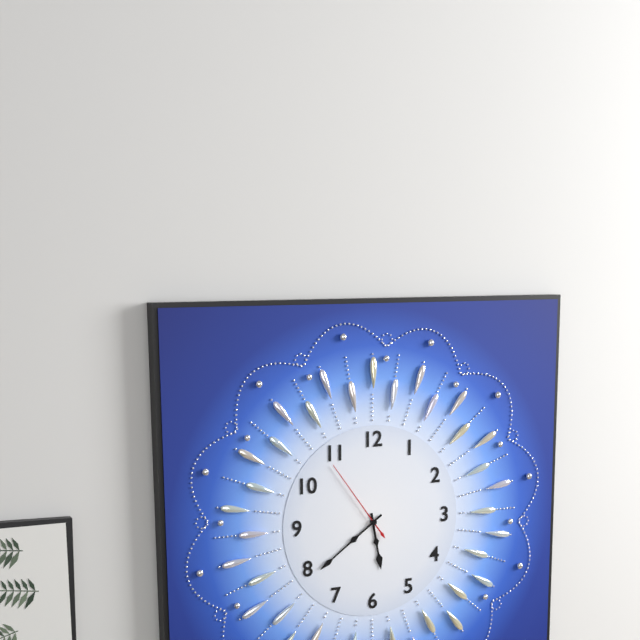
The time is 5:39:54
